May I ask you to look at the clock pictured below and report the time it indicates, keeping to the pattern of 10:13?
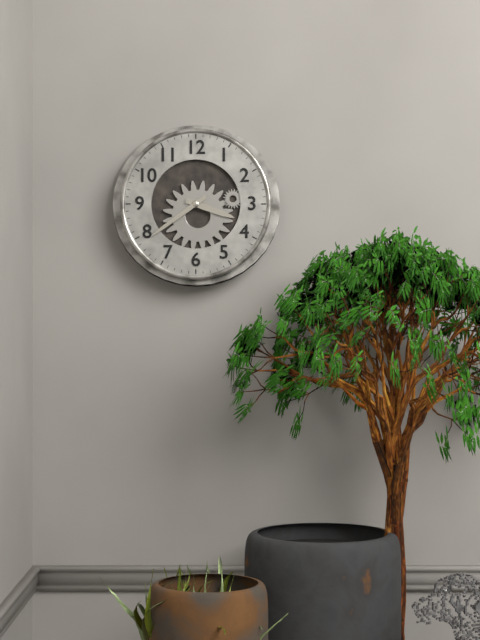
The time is 3:39
